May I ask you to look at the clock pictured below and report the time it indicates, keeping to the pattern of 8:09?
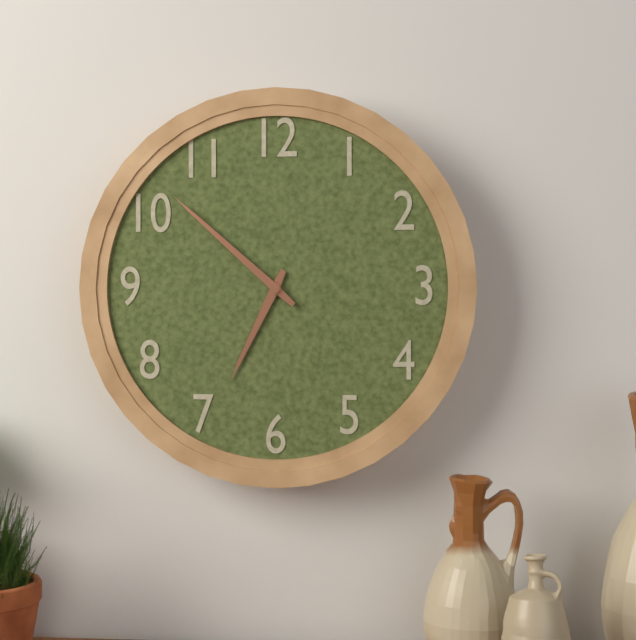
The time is 6:52
